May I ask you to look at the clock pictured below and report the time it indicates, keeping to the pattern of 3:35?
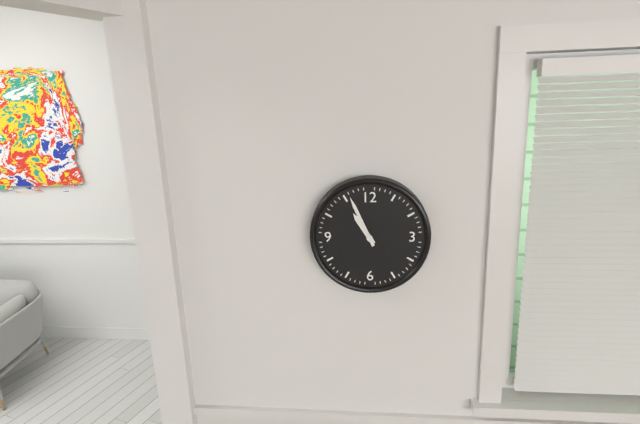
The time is 10:56
